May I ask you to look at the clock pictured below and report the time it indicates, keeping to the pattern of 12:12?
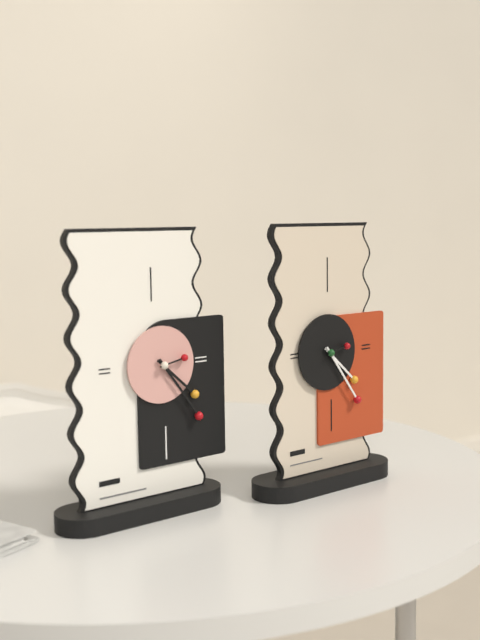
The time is 4:24
